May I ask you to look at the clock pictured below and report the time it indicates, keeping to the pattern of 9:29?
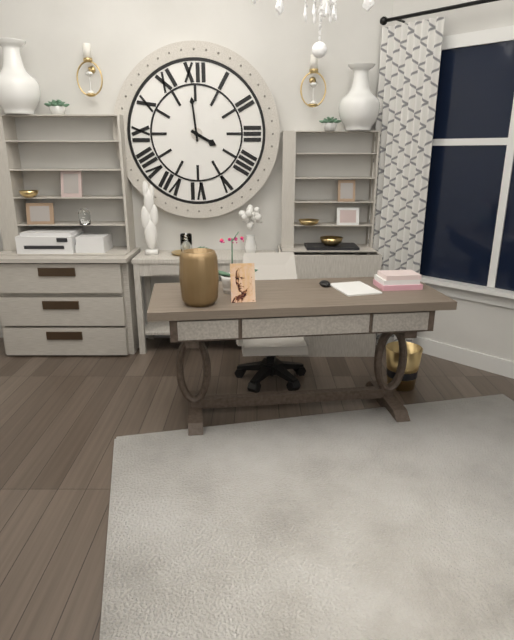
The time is 3:59
